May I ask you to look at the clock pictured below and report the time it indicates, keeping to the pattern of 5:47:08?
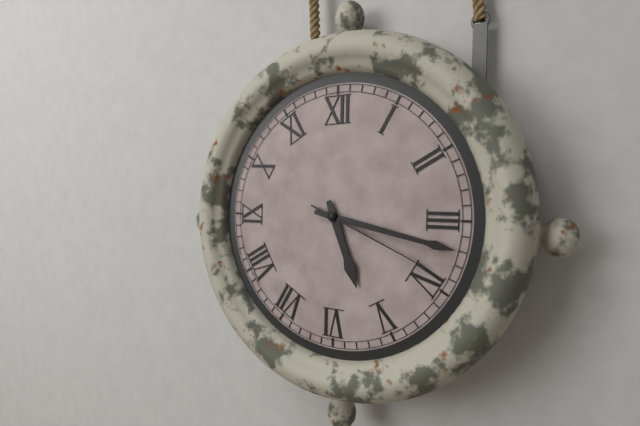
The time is 5:17:19
